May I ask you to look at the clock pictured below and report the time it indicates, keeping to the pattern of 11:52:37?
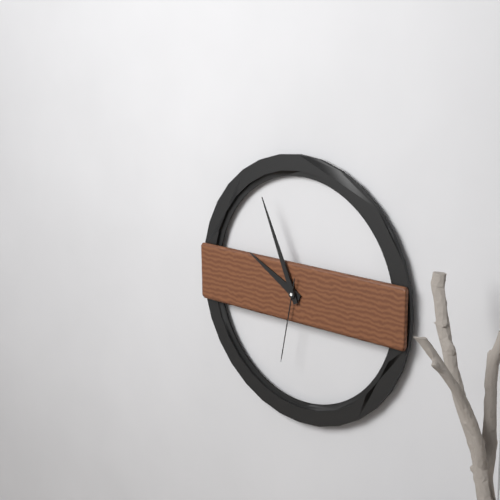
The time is 9:56:32
